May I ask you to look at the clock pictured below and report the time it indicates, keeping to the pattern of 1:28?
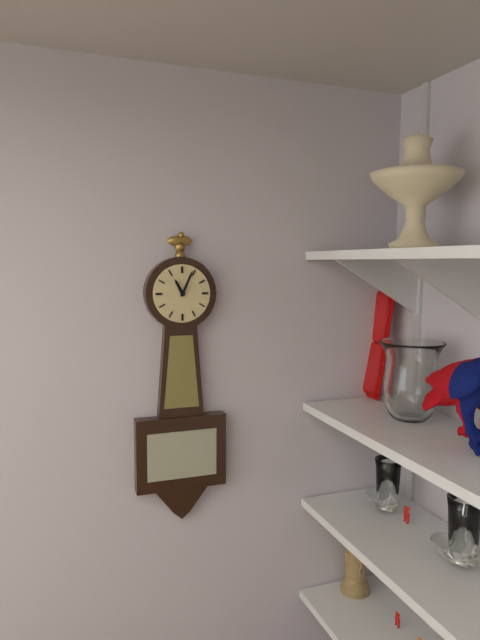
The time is 11:04
